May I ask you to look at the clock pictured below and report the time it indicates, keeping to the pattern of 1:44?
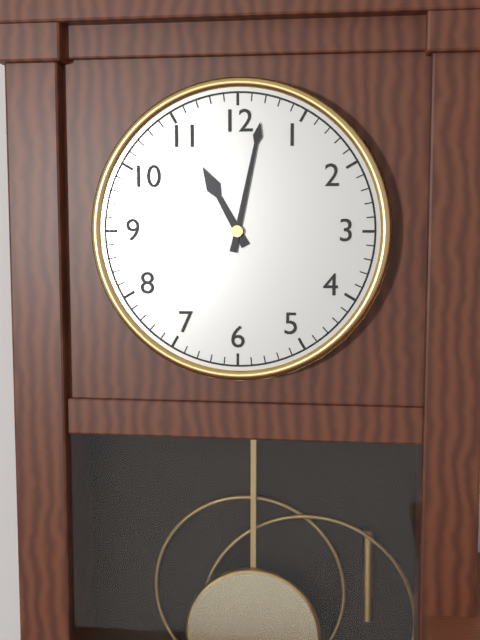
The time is 11:02
